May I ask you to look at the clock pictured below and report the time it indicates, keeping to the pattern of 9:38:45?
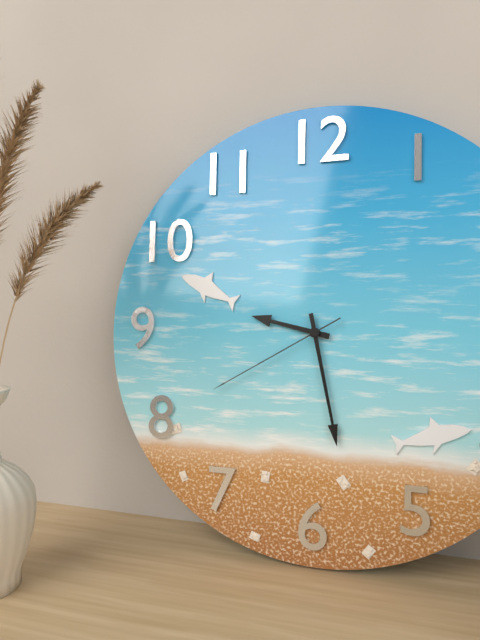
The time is 9:28:40
